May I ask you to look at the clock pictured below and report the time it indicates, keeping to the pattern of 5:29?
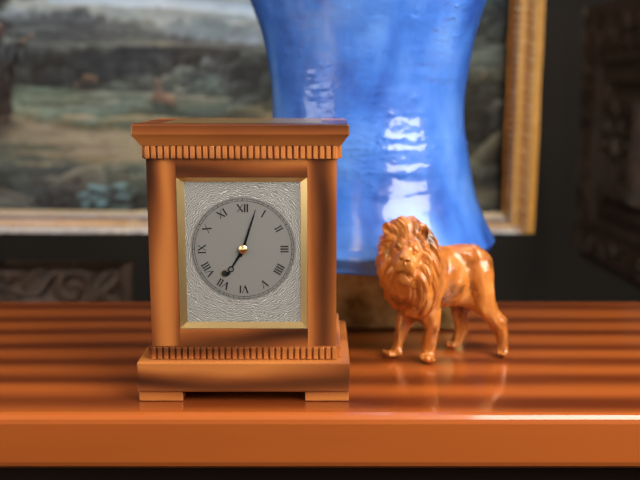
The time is 7:03
